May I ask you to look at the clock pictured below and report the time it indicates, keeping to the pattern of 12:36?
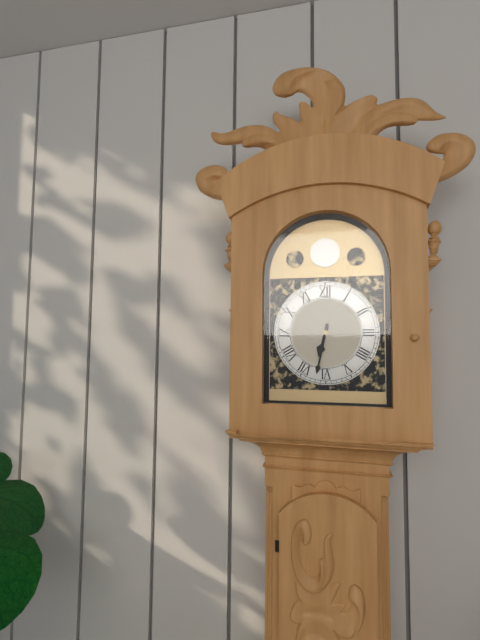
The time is 6:32
